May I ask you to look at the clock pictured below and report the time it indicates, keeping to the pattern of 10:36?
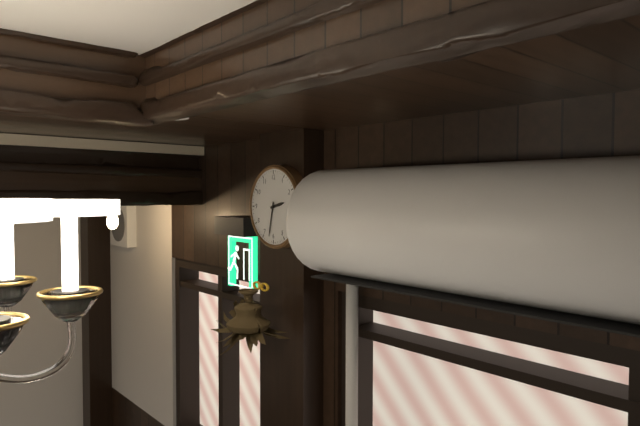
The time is 2:32
